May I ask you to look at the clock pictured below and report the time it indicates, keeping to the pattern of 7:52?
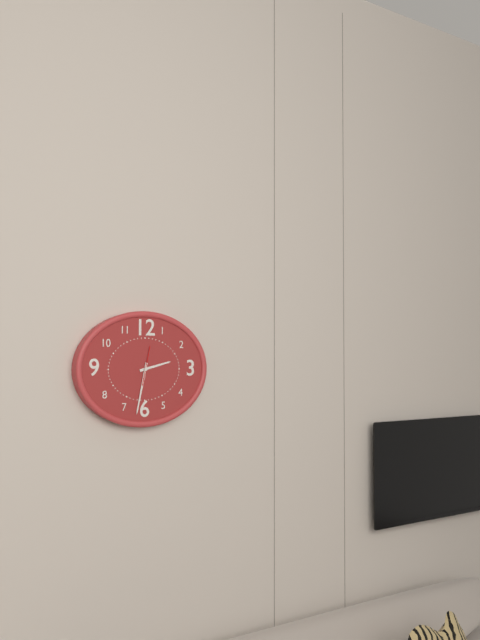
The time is 2:32
